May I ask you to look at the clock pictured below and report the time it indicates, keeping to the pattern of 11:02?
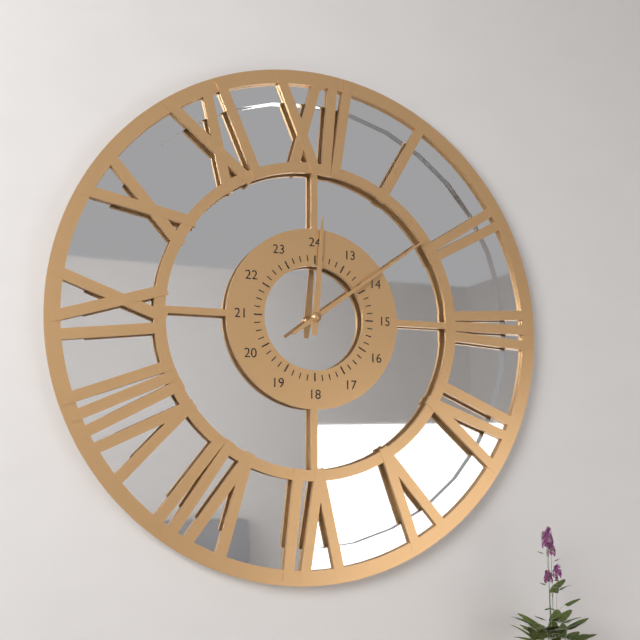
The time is 12:09
